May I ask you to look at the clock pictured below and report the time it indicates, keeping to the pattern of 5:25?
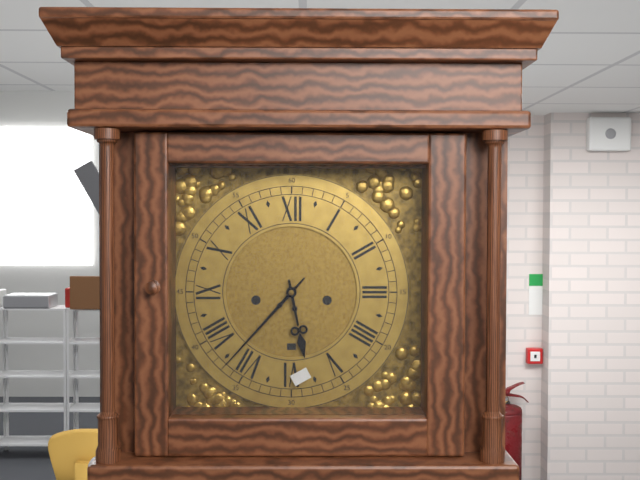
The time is 5:37
